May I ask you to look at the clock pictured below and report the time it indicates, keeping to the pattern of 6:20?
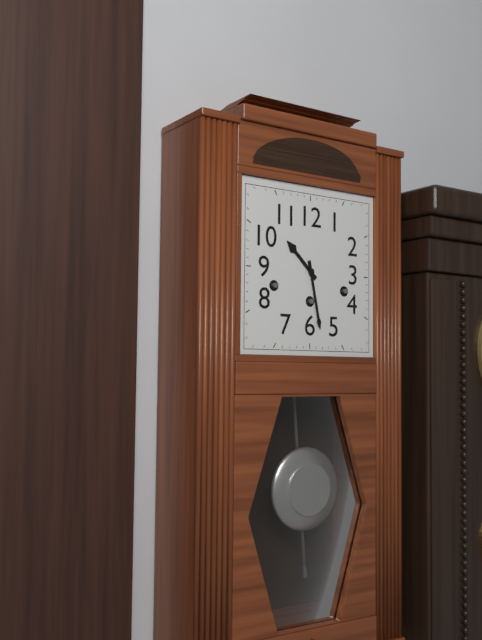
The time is 10:28
